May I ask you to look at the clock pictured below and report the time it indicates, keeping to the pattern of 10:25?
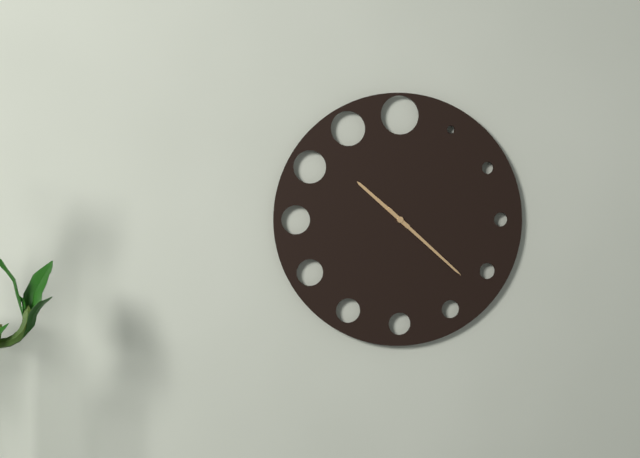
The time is 10:22
